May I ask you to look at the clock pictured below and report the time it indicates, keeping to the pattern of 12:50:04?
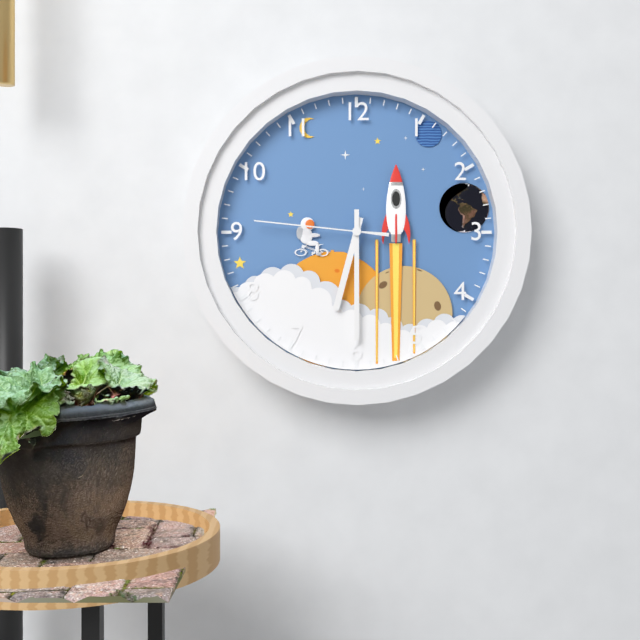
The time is 6:30:46
